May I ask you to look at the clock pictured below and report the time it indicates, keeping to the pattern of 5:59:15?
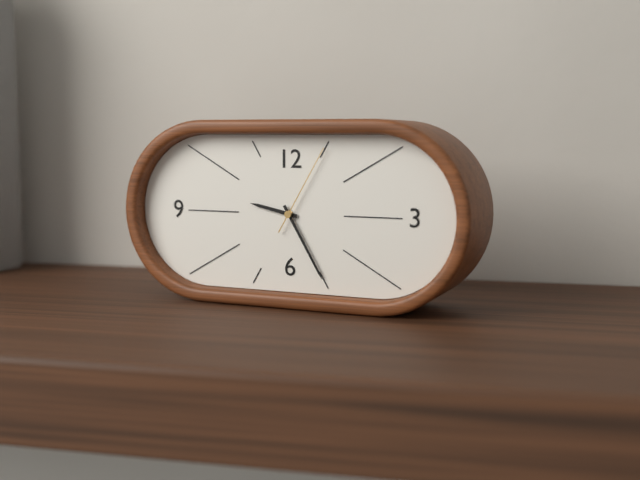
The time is 9:25:05
